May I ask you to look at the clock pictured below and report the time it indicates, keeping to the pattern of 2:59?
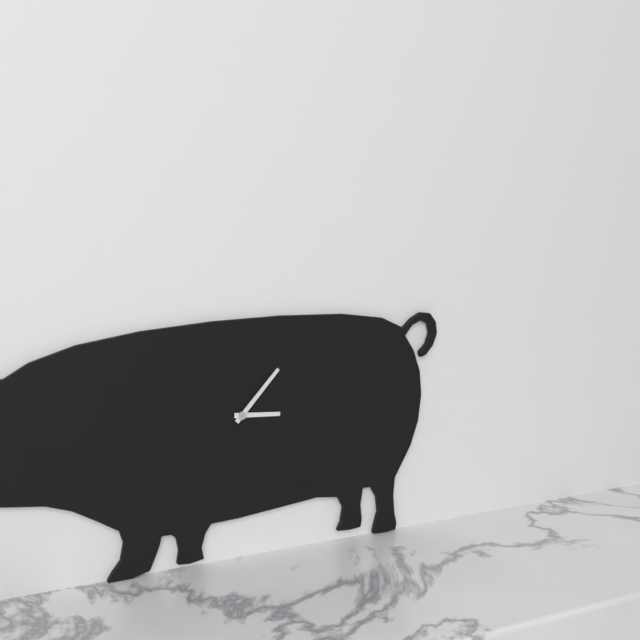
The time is 3:07
